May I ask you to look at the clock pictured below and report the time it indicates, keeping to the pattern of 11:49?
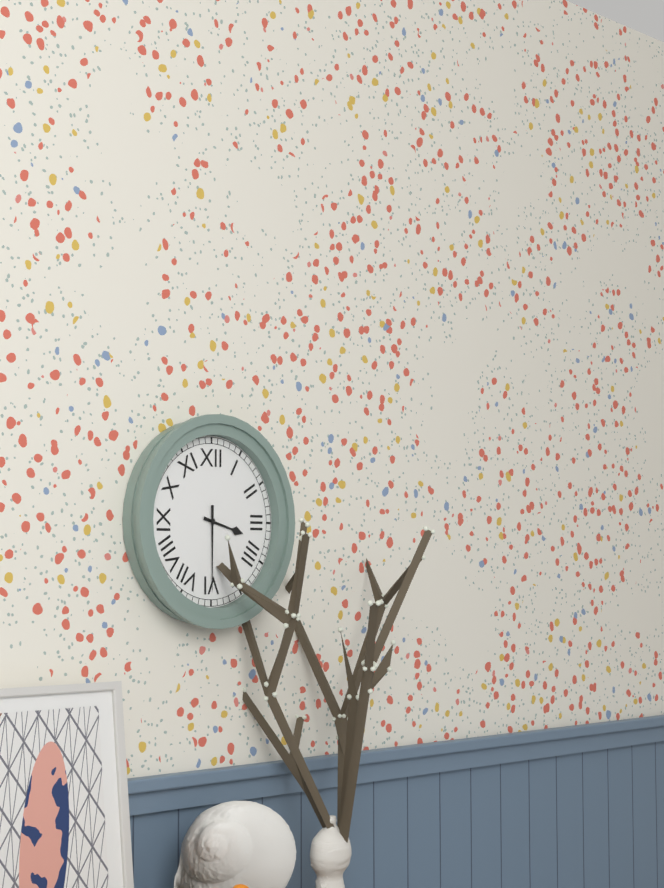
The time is 3:30
